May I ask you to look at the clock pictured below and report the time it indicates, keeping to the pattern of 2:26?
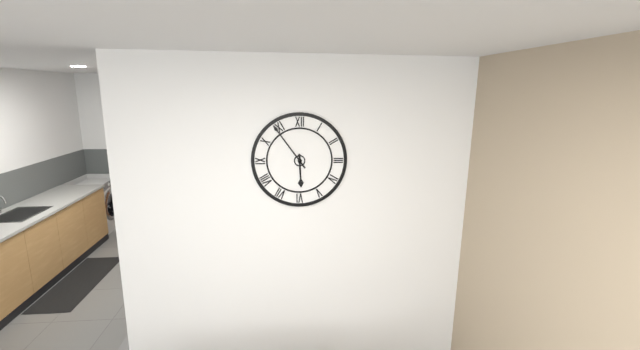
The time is 5:54
